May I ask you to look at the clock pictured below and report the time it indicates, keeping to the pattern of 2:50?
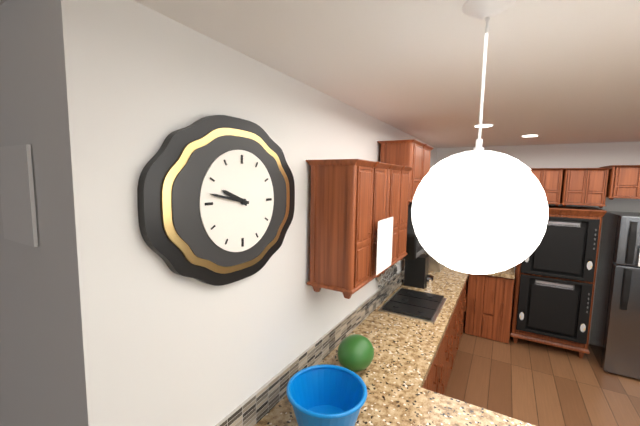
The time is 9:47
